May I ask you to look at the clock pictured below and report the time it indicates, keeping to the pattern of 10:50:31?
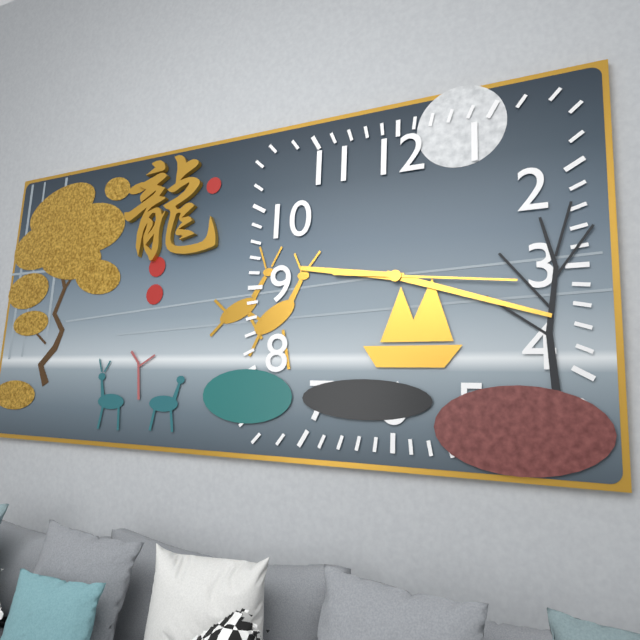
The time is 9:18:16
